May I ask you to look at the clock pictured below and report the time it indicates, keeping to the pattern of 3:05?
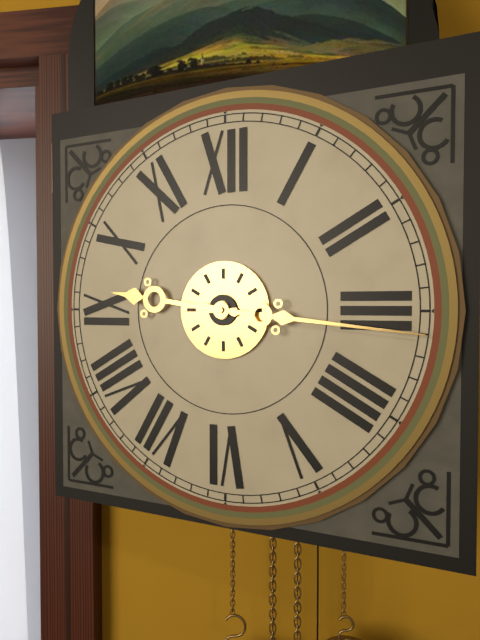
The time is 9:16
